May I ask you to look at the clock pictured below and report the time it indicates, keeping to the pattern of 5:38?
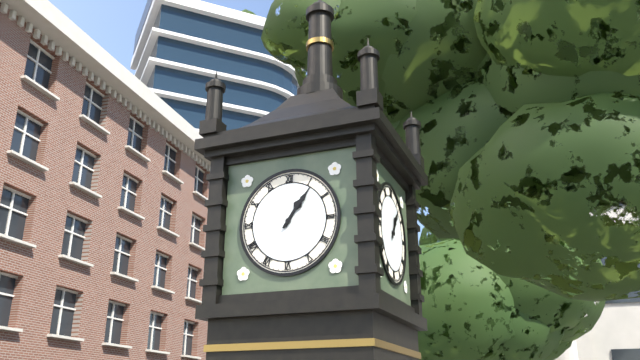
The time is 1:06
